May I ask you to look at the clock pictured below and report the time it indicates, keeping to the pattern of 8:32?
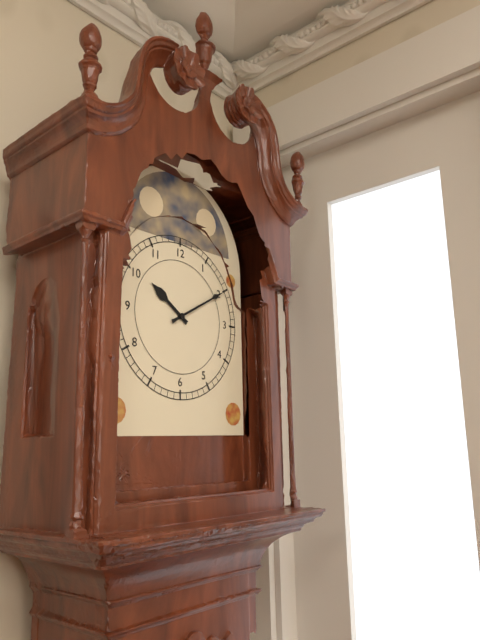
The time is 10:10
